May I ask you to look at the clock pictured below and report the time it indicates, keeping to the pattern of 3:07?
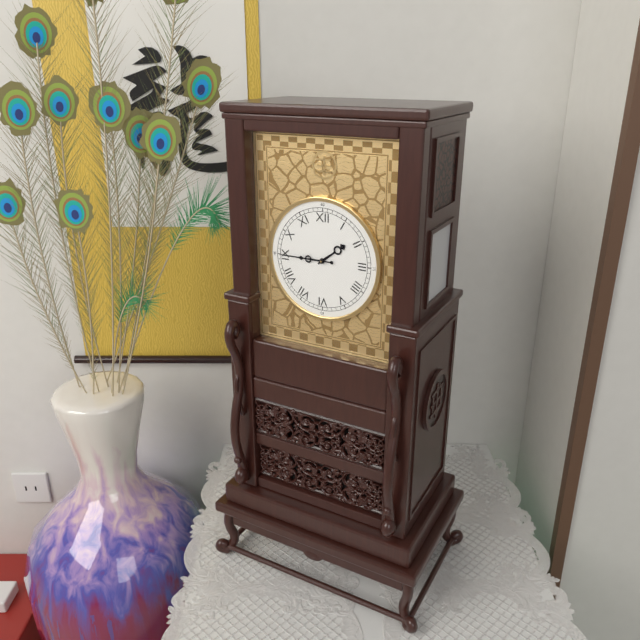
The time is 1:45
